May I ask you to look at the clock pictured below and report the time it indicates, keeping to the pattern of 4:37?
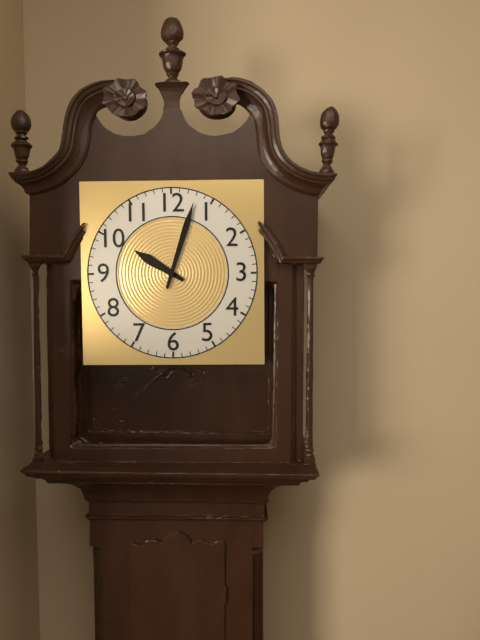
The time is 10:03
